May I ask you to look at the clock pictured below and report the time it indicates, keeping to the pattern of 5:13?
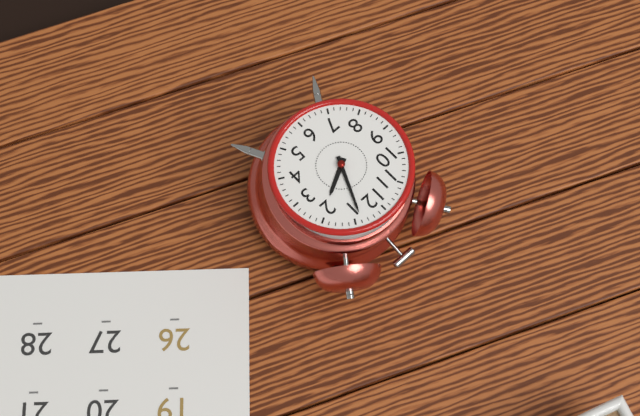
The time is 2:04
